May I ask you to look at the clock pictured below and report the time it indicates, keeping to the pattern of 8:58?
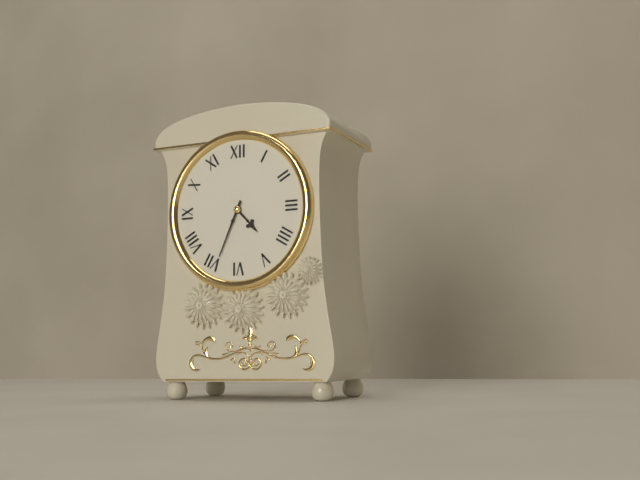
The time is 4:34
